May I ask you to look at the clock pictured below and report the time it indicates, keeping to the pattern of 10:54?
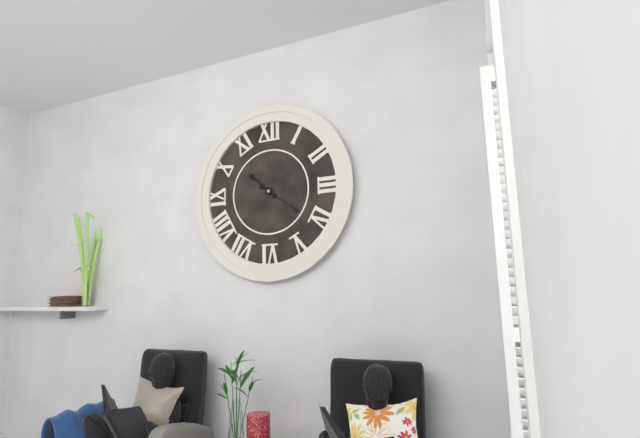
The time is 10:21
